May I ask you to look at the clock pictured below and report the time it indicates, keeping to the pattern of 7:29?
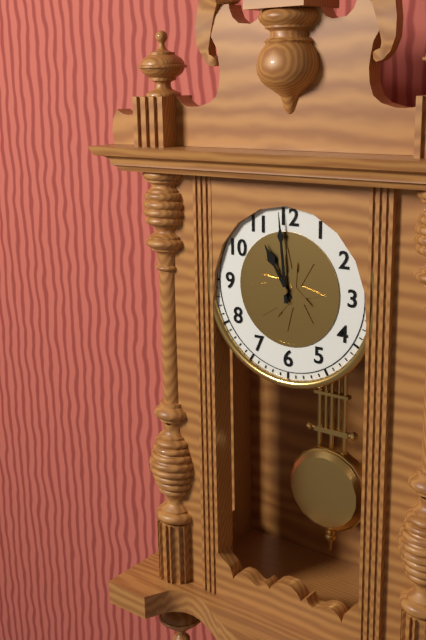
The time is 10:59
